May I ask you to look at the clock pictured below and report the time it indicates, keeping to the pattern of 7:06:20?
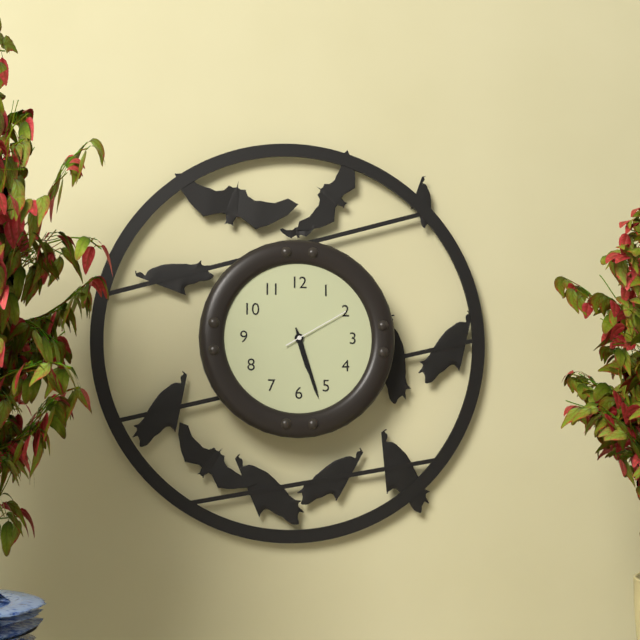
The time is 5:27:10
